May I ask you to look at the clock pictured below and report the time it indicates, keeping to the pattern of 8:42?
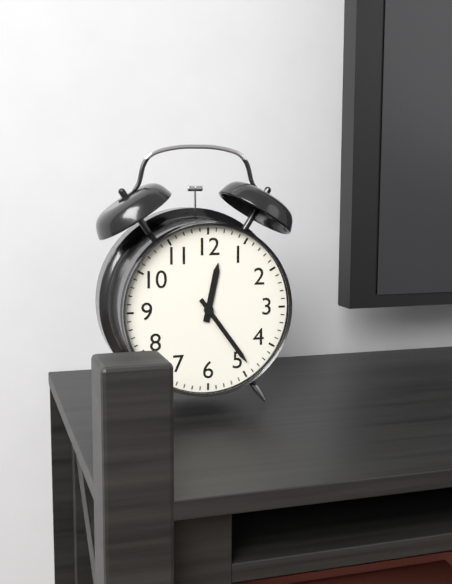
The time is 12:24
